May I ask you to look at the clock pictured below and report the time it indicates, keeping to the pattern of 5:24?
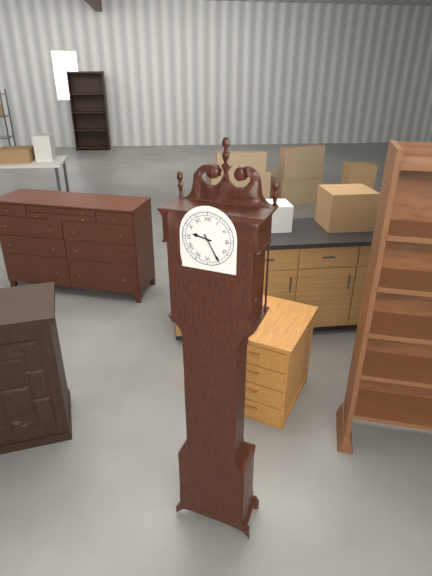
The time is 9:25
